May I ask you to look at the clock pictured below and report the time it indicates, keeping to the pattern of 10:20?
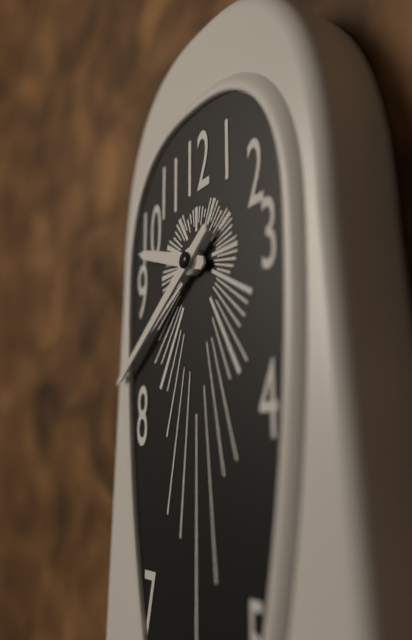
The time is 9:39
